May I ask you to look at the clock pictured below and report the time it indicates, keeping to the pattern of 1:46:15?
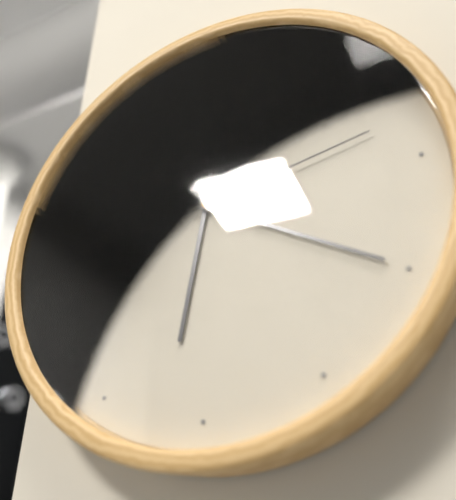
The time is 6:20:13
